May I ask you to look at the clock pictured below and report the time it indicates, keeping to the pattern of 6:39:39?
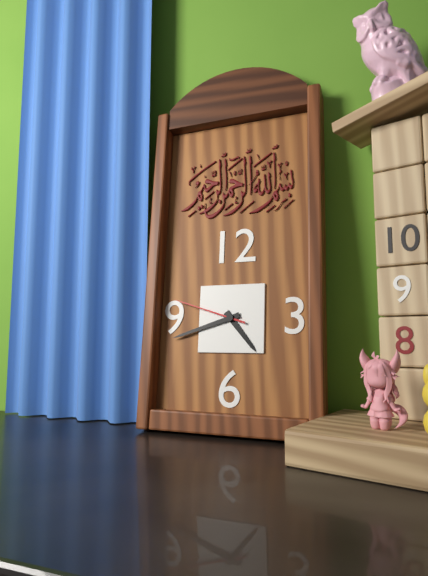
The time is 4:42:48
